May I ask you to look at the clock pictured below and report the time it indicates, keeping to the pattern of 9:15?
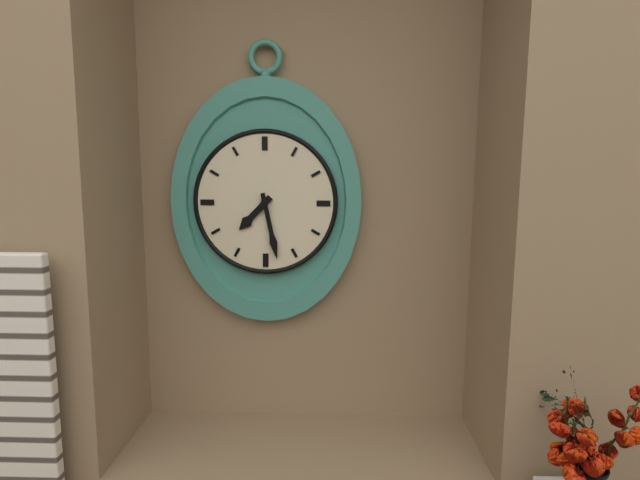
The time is 7:28
